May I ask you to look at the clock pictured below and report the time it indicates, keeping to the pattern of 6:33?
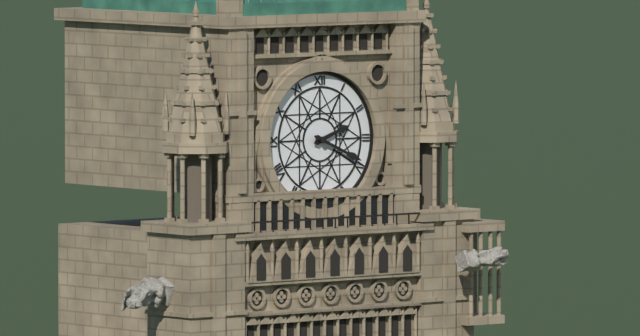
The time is 2:19
